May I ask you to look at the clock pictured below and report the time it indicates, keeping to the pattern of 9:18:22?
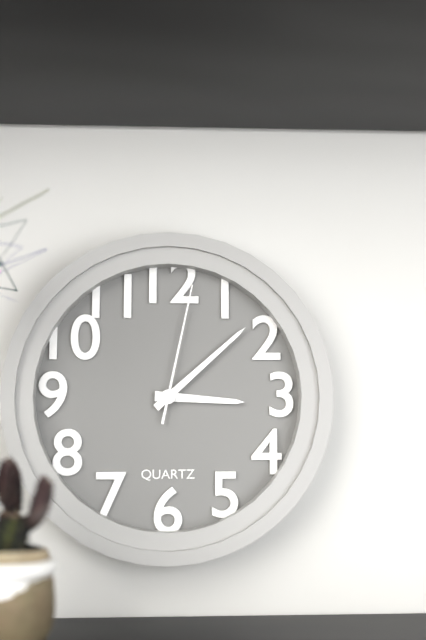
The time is 3:08:02
